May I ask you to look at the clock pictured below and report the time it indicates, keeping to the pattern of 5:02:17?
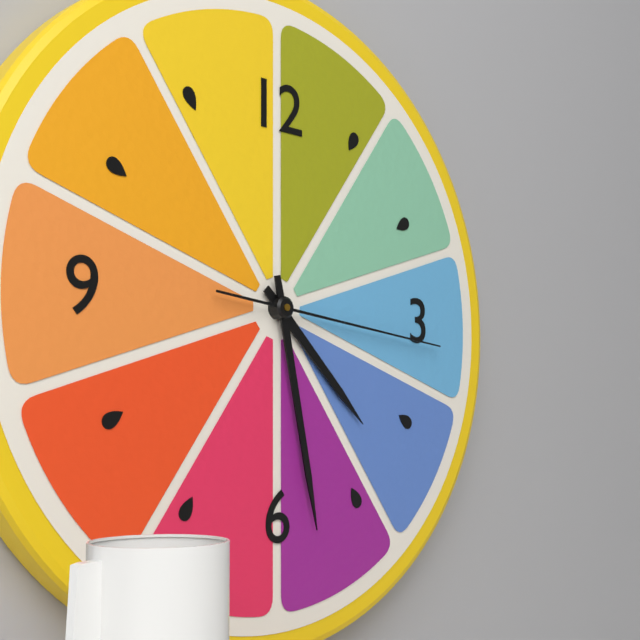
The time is 4:28:16
